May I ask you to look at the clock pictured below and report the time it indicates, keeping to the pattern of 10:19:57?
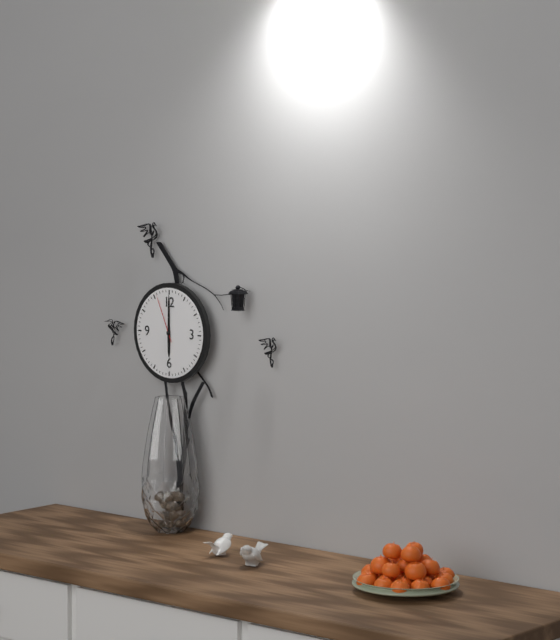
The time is 6:00:56
